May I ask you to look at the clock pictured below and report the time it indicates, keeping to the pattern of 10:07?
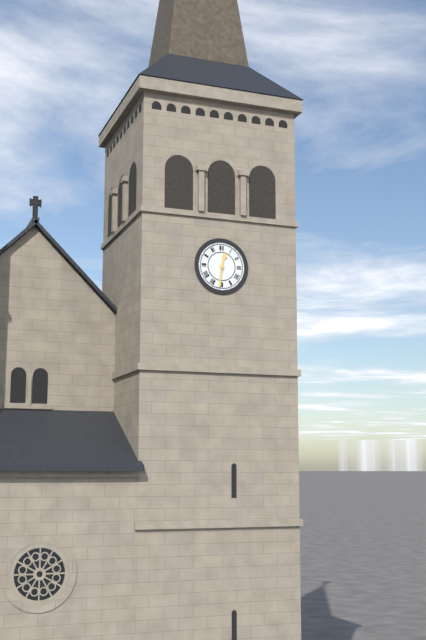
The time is 12:31
